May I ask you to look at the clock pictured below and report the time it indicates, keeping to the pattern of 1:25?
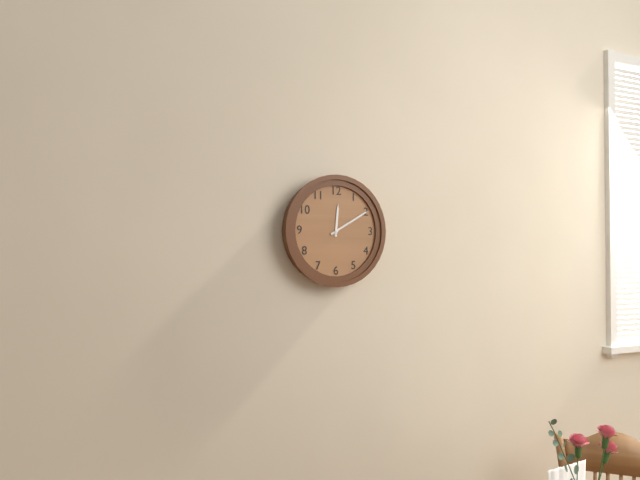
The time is 12:10
